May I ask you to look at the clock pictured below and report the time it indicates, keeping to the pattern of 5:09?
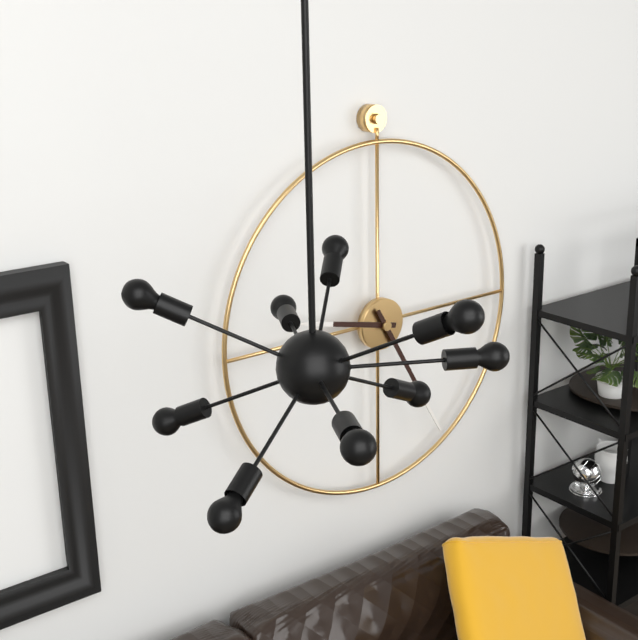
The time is 9:25
